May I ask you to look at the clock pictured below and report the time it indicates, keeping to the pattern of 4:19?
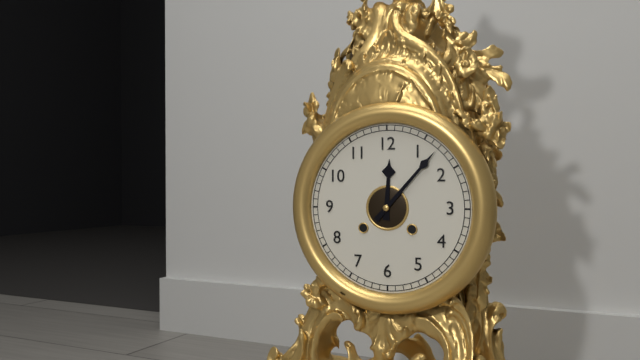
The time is 12:07
